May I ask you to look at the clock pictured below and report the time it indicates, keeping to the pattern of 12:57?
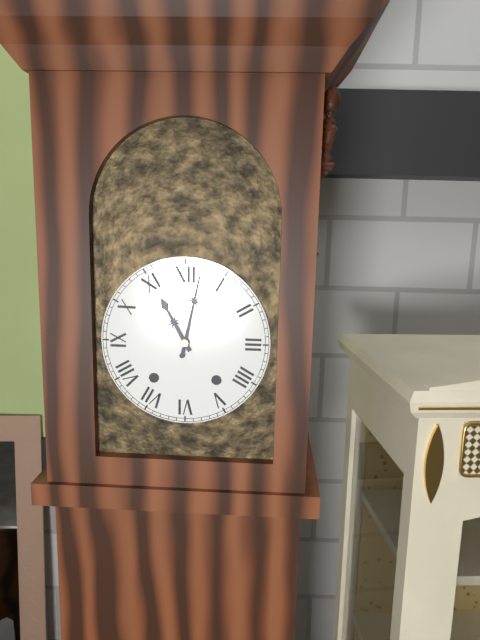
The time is 11:02
